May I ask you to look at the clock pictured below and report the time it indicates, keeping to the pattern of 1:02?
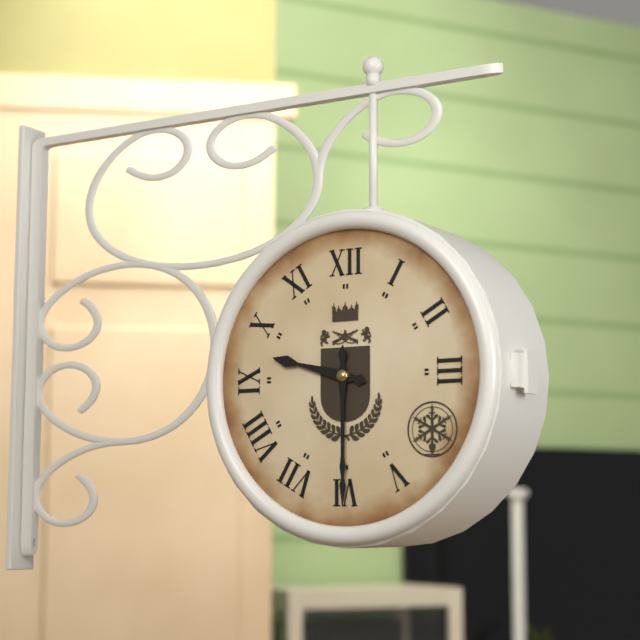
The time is 9:30
